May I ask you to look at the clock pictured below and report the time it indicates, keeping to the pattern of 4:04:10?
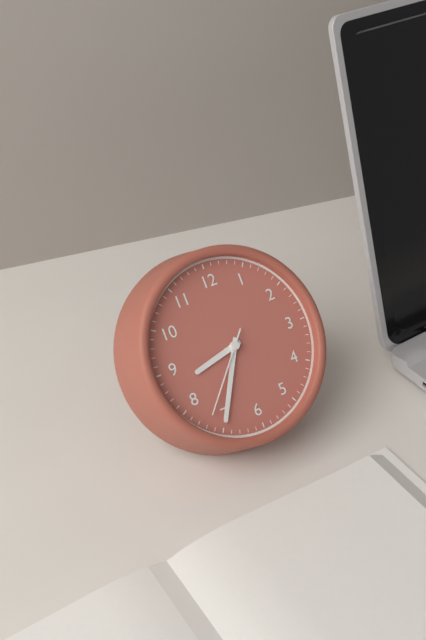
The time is 8:35:37
